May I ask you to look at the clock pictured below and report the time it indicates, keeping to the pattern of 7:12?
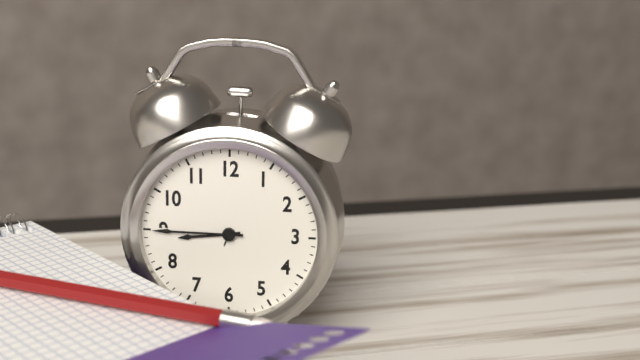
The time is 8:45
